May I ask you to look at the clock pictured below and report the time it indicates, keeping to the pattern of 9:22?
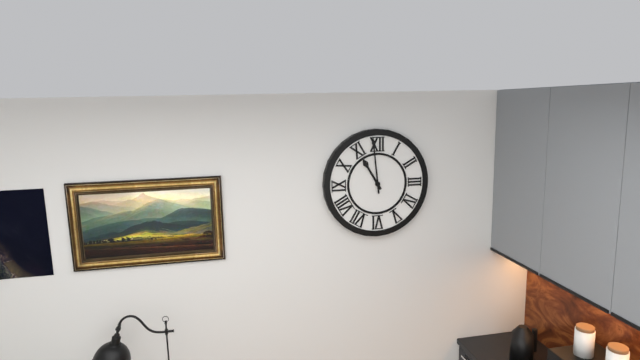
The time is 10:59
